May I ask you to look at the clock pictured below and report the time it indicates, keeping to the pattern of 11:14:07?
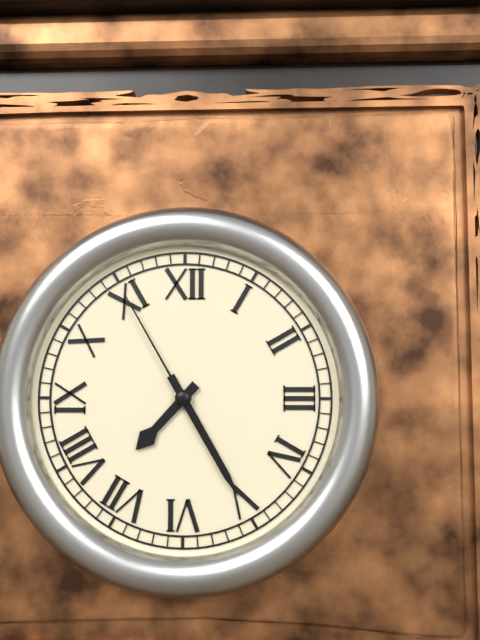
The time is 7:25:55
